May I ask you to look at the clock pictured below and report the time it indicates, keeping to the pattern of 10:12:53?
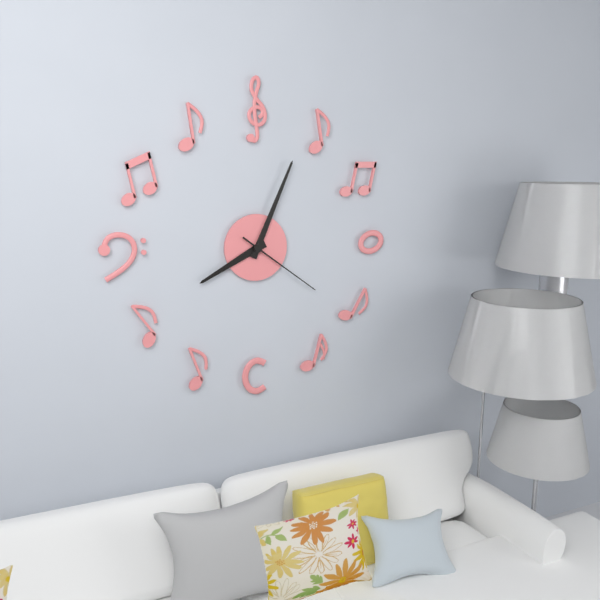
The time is 8:04:21
